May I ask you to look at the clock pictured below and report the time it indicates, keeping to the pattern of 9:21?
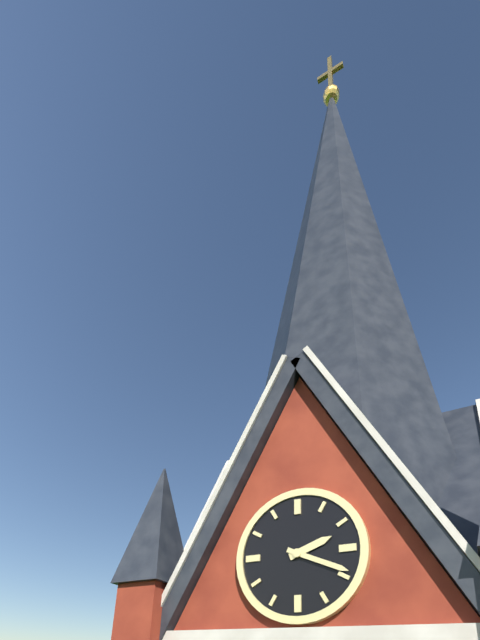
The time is 2:19
